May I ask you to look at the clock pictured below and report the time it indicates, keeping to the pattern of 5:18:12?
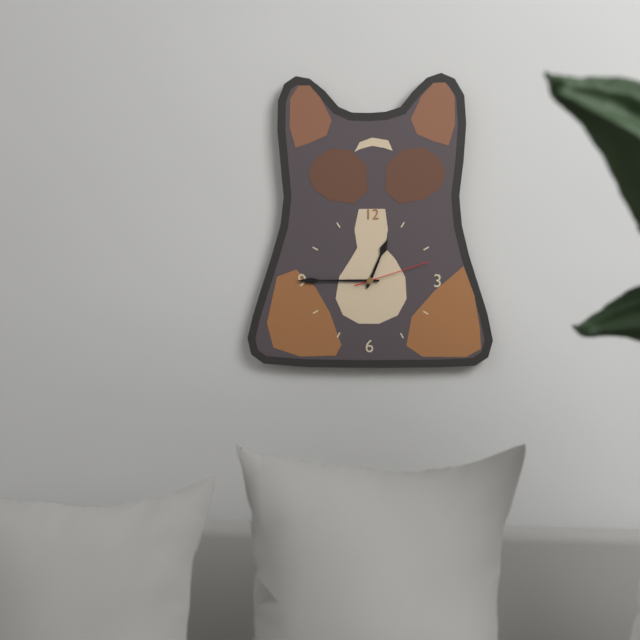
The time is 12:45:12
